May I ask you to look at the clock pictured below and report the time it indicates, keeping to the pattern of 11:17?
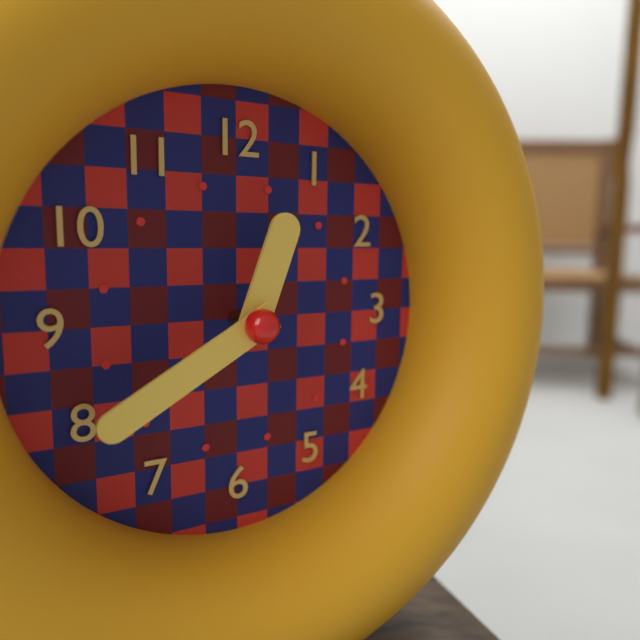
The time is 12:40
